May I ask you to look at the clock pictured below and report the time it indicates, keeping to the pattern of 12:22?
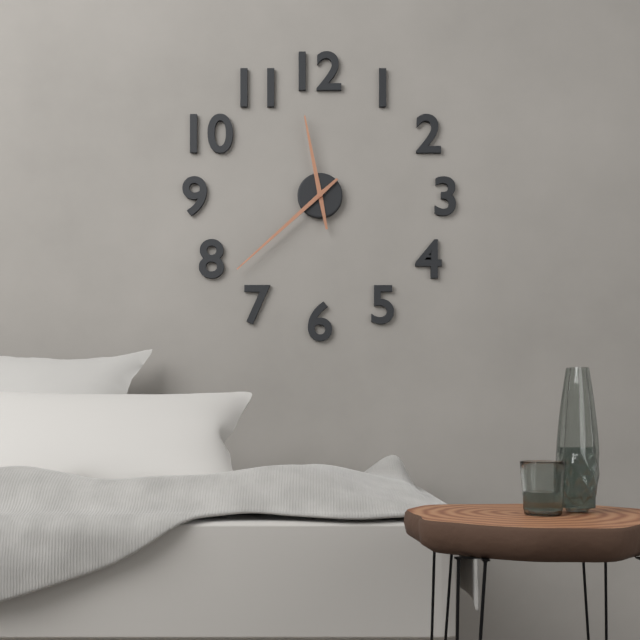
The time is 11:38
